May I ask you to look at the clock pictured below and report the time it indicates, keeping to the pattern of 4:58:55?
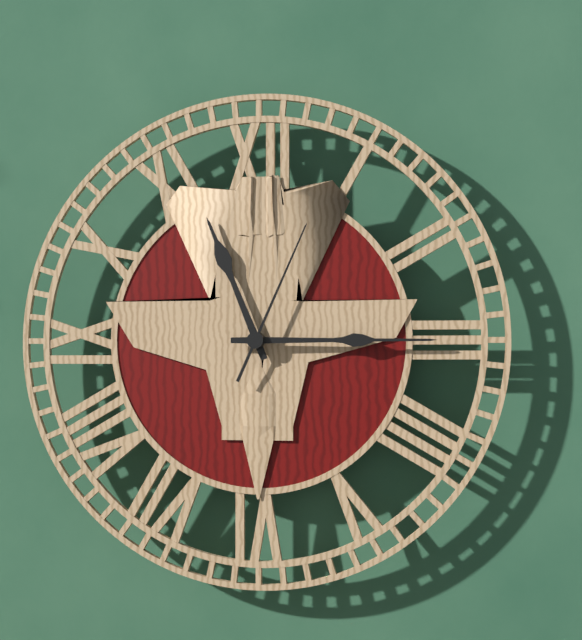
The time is 11:15:04
